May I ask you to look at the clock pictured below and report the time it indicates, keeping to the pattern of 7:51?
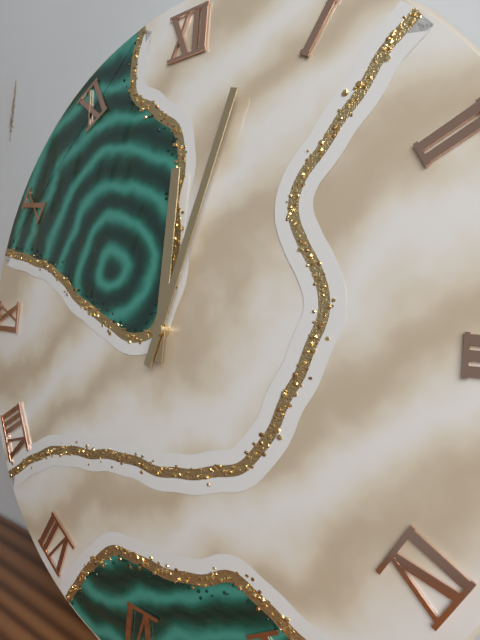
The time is 12:03
